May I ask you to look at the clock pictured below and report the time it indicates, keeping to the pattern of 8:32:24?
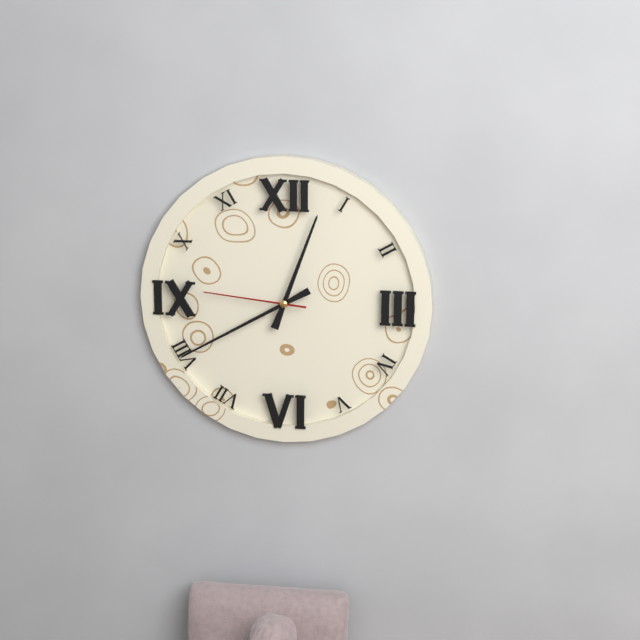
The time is 12:40:46
